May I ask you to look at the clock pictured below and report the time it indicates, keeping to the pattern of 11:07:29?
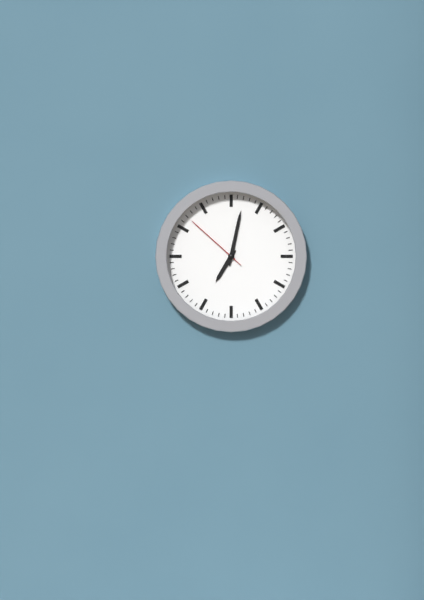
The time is 7:02:52
